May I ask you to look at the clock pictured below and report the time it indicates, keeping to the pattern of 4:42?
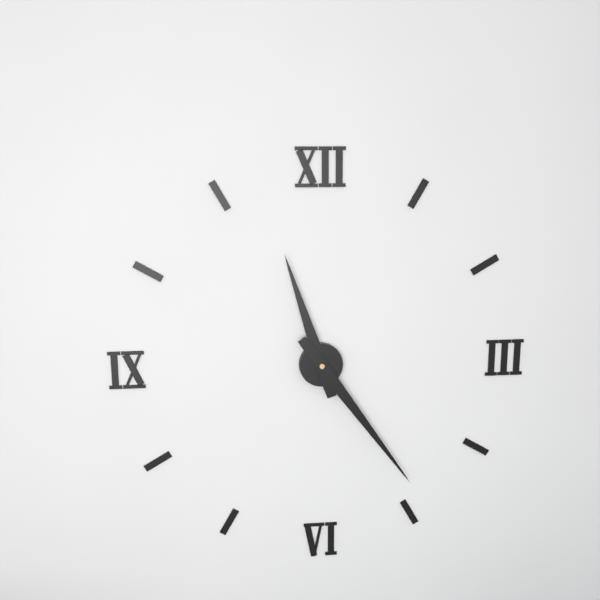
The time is 11:24
